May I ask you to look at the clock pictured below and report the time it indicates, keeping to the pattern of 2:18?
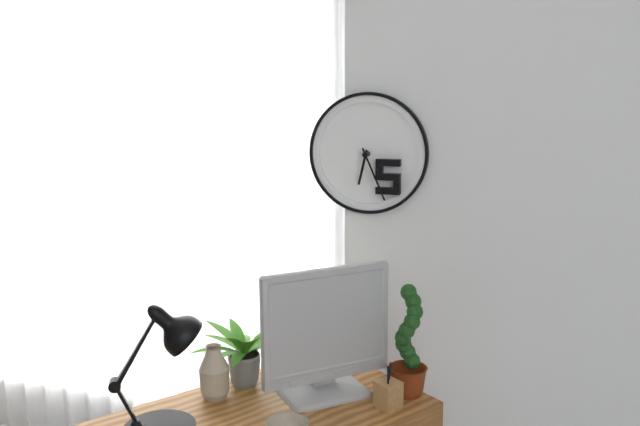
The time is 6:26
